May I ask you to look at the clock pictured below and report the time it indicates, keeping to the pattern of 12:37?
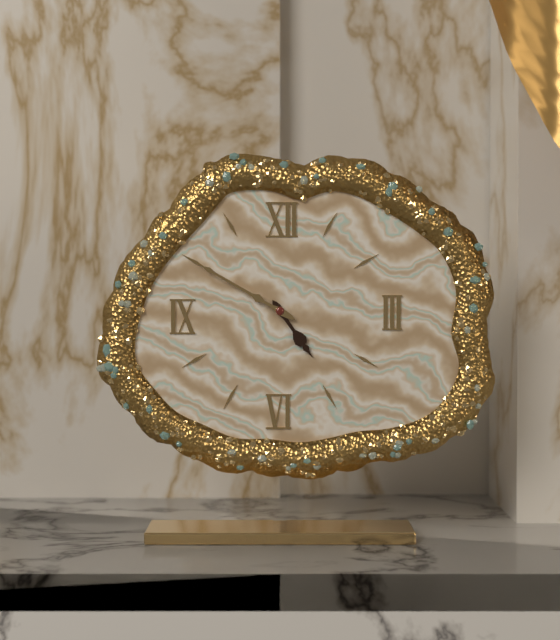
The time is 4:50
